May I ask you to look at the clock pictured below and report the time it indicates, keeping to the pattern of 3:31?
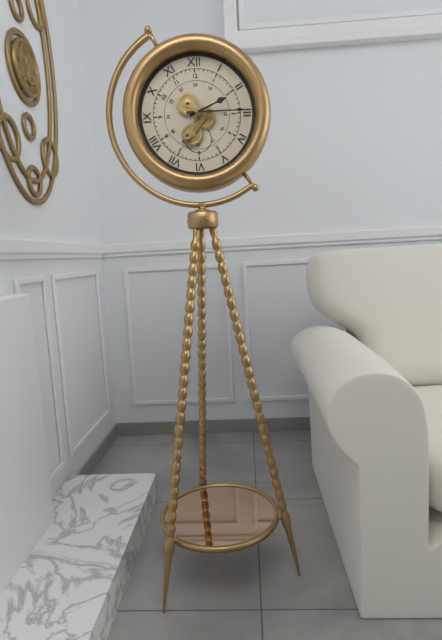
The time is 2:15
